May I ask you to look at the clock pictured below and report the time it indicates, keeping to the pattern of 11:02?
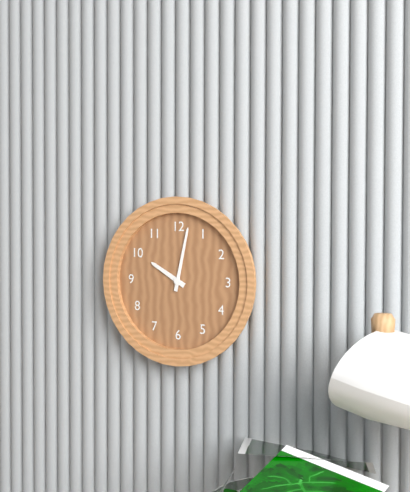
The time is 10:02
